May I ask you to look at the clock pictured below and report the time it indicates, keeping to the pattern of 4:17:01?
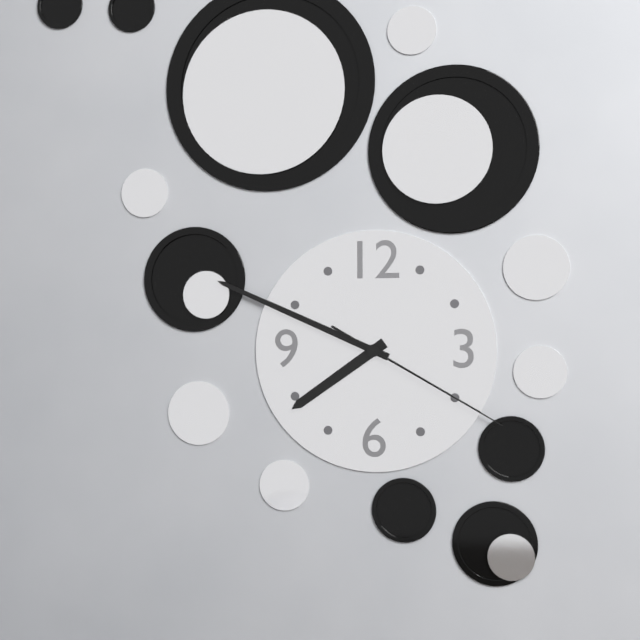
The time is 7:49:20
